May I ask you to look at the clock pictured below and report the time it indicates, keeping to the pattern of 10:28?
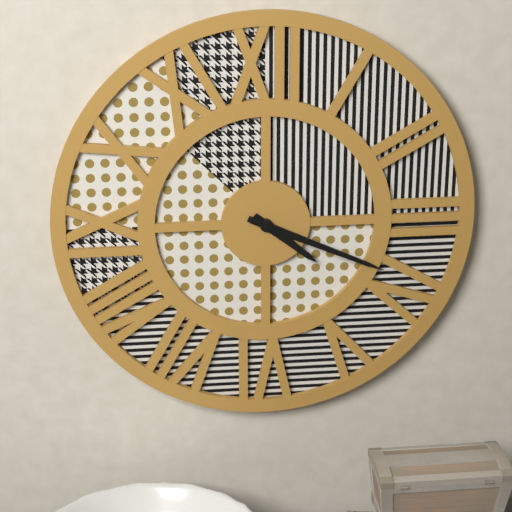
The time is 4:19
